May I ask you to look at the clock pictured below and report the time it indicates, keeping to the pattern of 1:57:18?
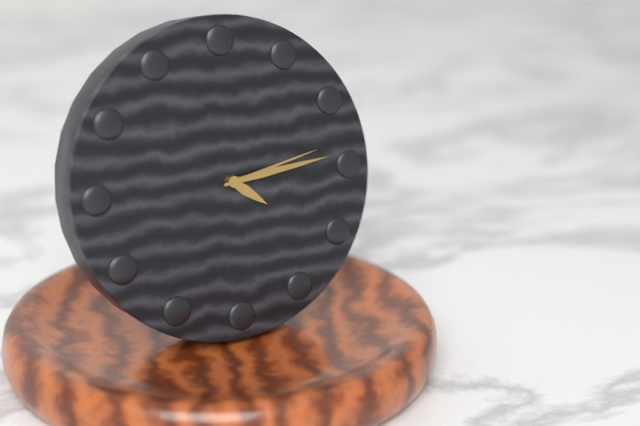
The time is 4:14:13
